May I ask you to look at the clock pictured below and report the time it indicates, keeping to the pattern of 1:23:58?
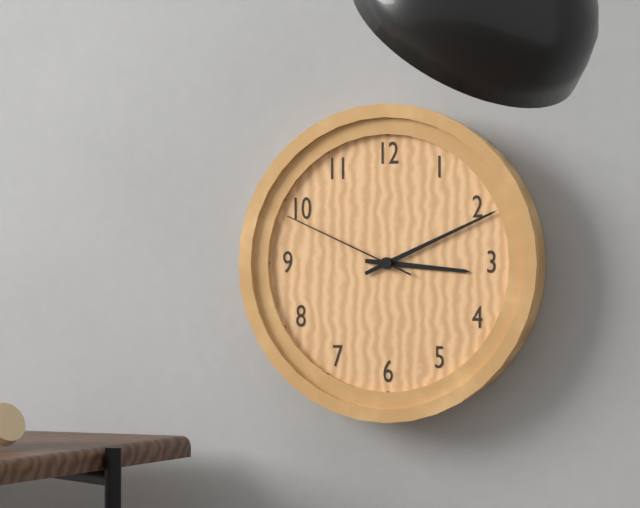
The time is 3:11:49
